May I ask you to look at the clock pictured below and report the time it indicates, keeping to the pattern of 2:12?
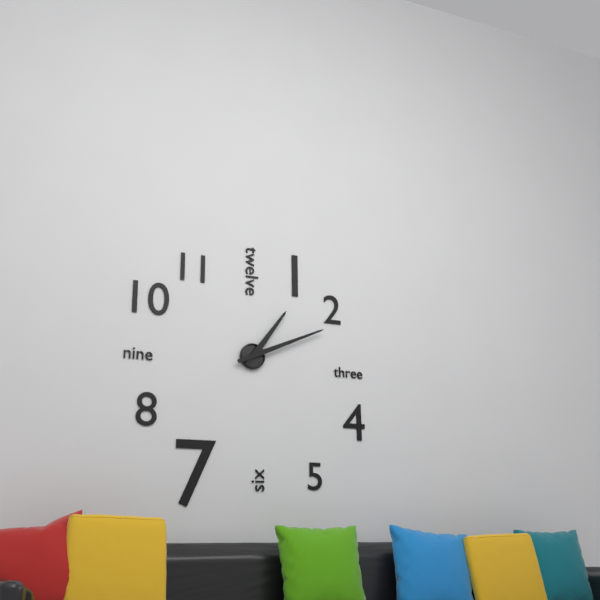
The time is 1:11
